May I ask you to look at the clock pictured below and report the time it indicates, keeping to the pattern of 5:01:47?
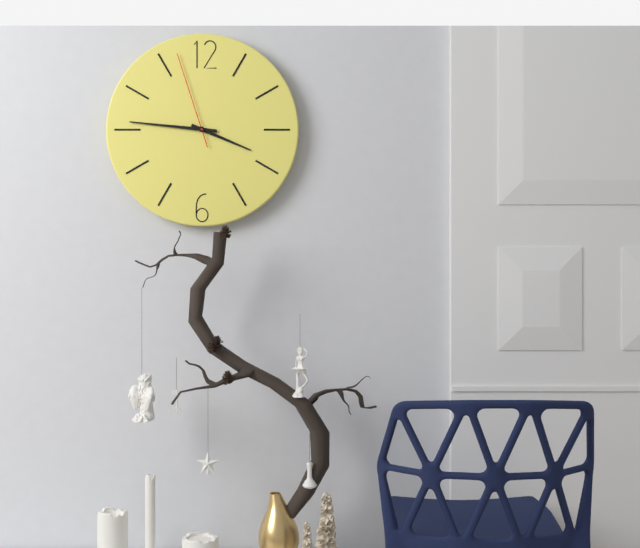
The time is 3:46:57
